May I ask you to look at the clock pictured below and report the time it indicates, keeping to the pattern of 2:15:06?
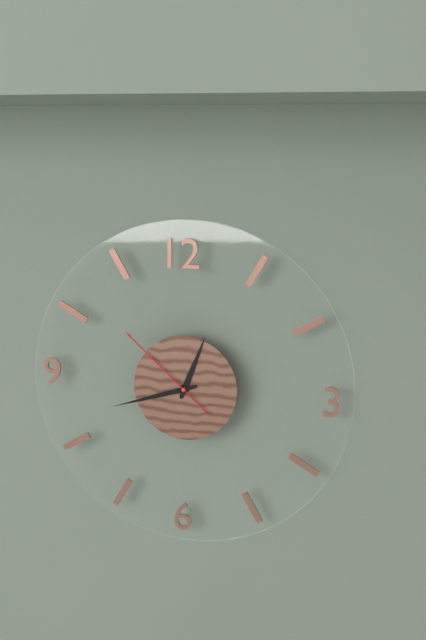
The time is 12:42:52
